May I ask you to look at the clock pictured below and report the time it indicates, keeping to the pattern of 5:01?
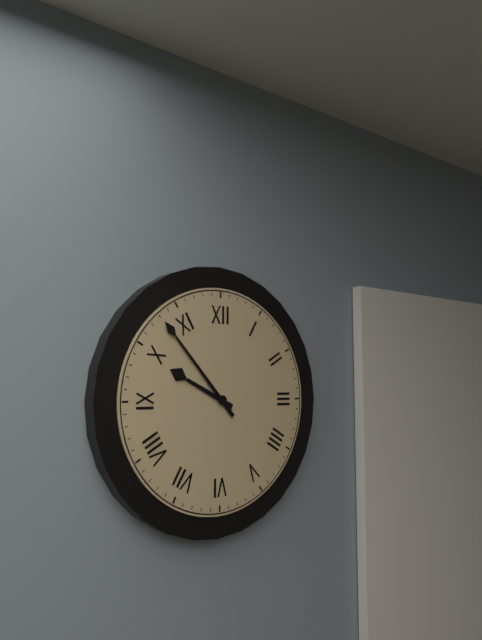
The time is 9:53
